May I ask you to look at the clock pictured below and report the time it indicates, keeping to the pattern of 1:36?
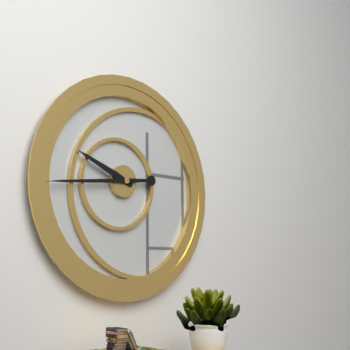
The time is 9:44
